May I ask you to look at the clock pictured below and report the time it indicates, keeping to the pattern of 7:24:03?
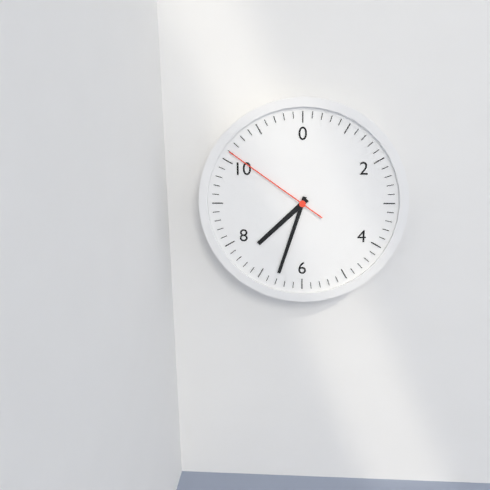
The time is 7:33:51
